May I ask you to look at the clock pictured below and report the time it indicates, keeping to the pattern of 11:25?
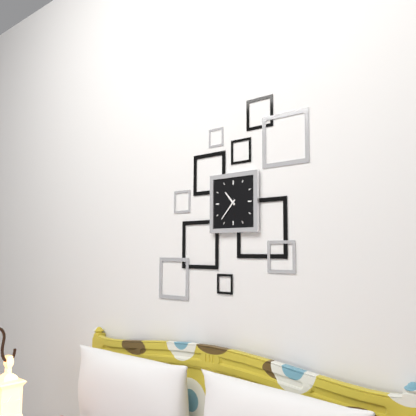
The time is 10:37
